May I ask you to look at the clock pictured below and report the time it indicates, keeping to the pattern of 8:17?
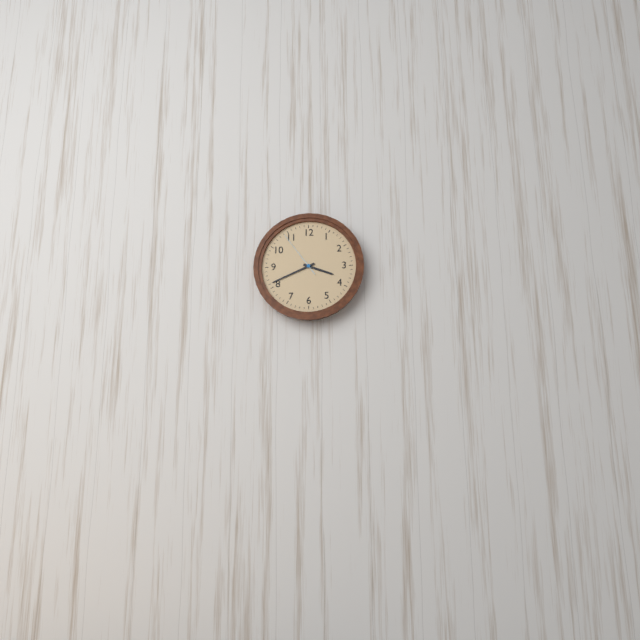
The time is 3:41
